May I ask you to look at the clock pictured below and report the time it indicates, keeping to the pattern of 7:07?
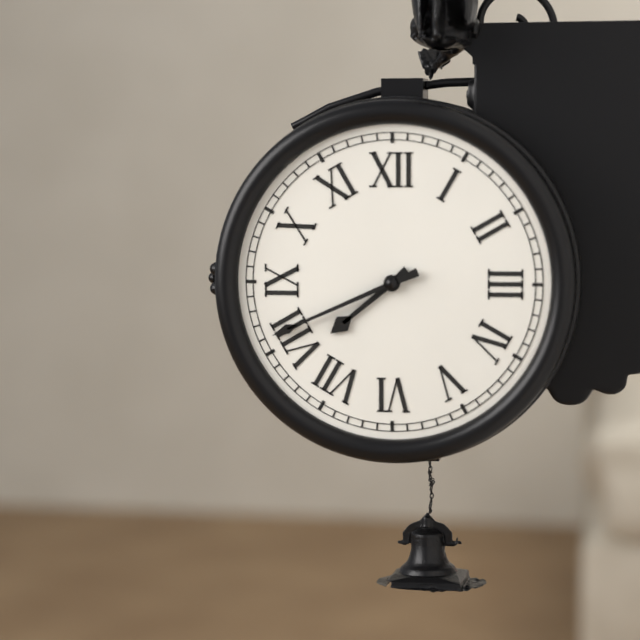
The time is 7:41
